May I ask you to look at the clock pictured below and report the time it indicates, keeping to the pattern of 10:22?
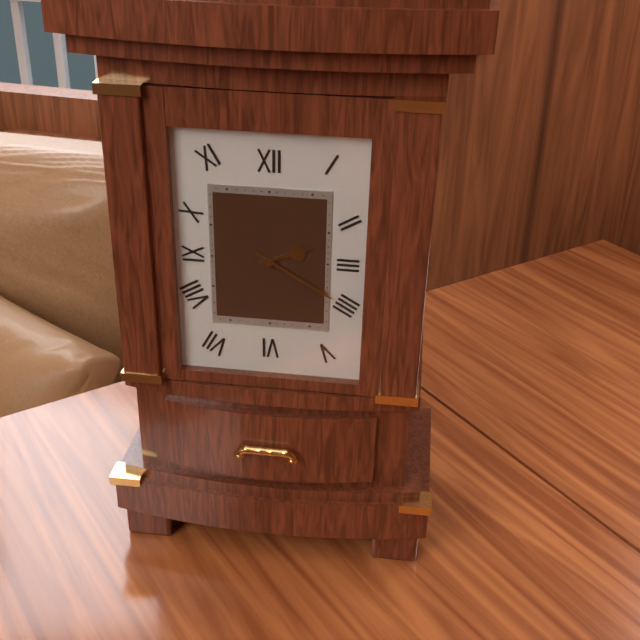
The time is 2:20
